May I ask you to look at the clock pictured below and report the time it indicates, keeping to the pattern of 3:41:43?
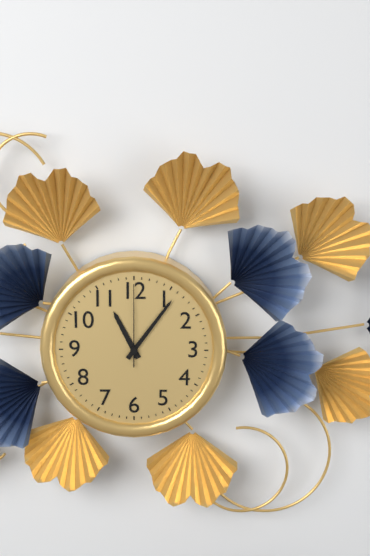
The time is 11:06:00
